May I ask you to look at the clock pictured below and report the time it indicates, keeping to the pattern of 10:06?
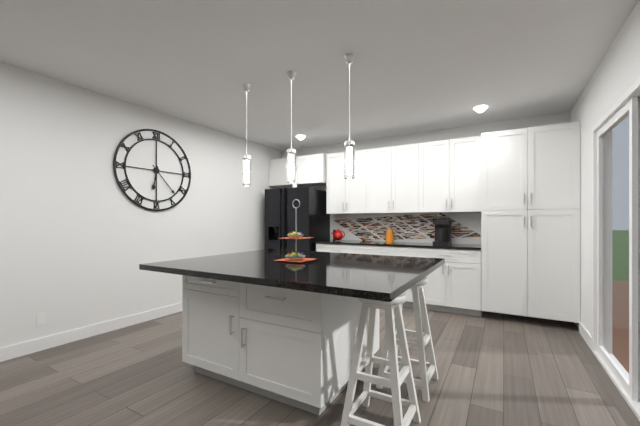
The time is 6:23
